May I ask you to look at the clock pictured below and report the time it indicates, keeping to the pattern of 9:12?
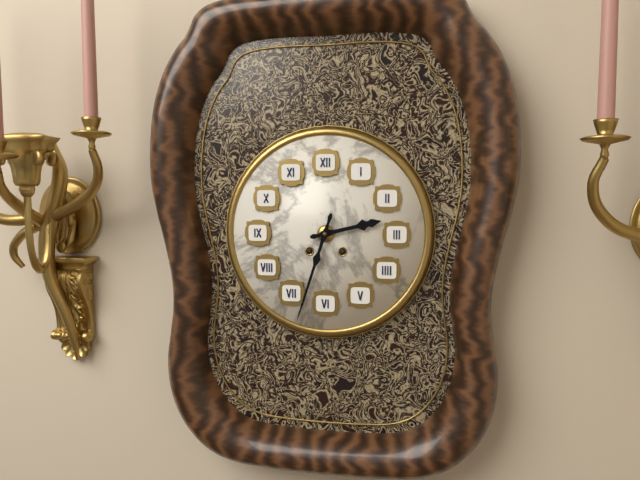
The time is 2:33
